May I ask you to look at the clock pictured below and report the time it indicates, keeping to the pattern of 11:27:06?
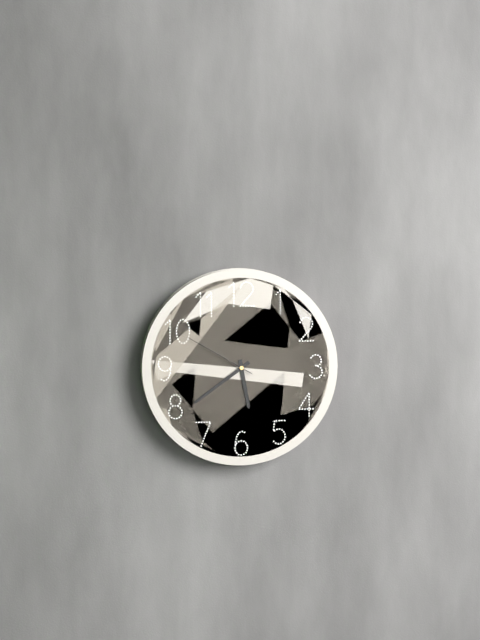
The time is 5:39:50
